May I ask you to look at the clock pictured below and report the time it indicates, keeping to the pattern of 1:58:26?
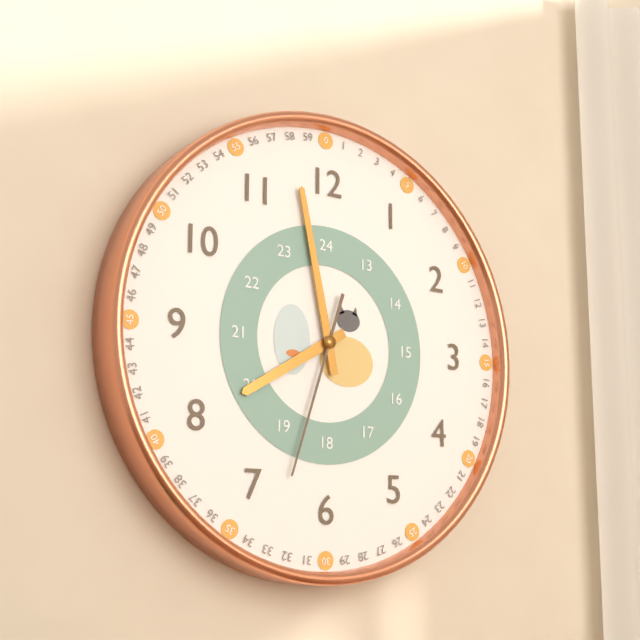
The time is 7:58:33
